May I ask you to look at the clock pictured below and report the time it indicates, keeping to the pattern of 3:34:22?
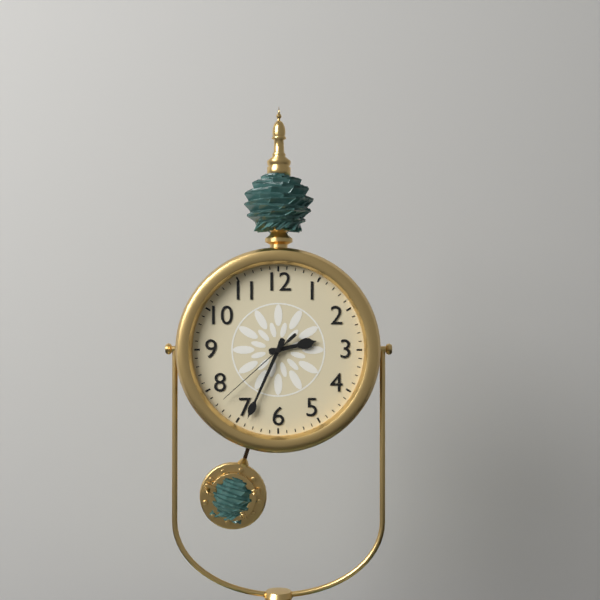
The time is 2:34:38
